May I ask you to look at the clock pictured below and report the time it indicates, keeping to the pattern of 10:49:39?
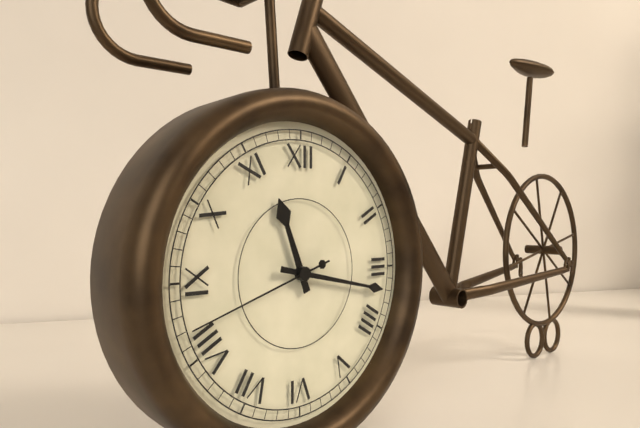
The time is 11:17:42
